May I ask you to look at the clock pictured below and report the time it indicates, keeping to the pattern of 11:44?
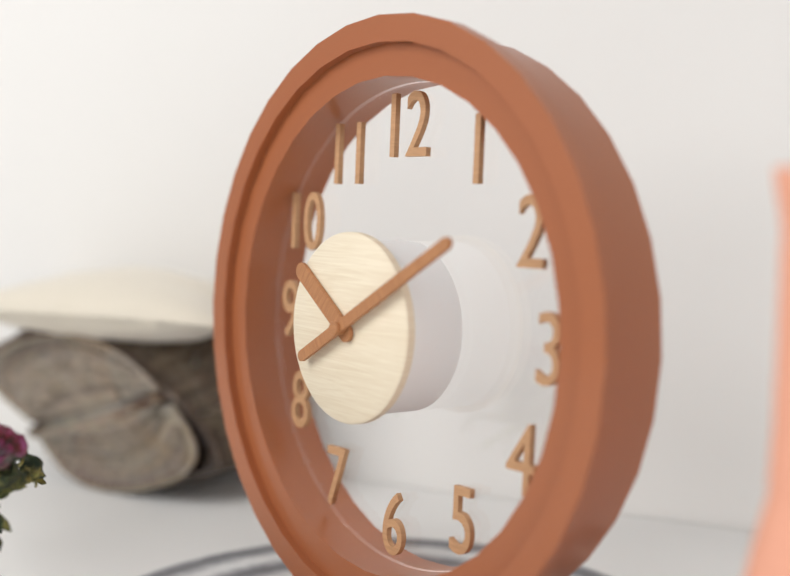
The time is 10:10
